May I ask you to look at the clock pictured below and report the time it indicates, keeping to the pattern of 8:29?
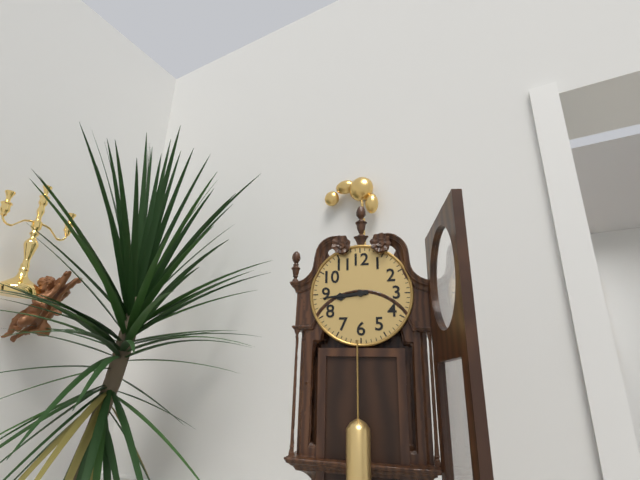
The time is 8:44
